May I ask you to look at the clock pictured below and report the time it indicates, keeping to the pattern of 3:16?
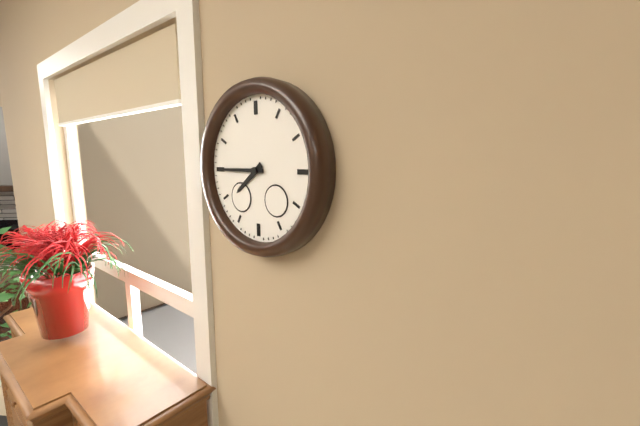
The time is 7:45
